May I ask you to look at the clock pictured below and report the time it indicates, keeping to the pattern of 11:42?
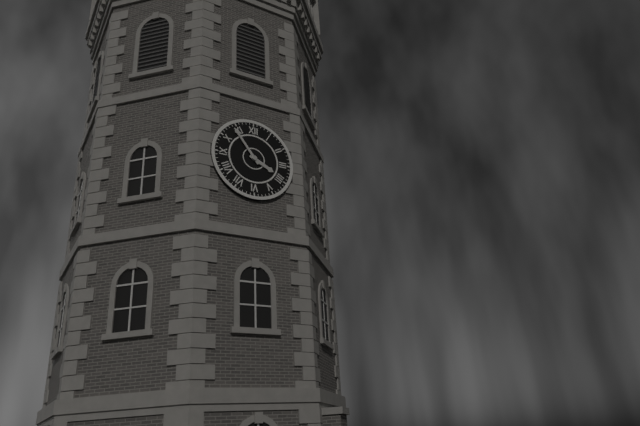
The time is 3:54
